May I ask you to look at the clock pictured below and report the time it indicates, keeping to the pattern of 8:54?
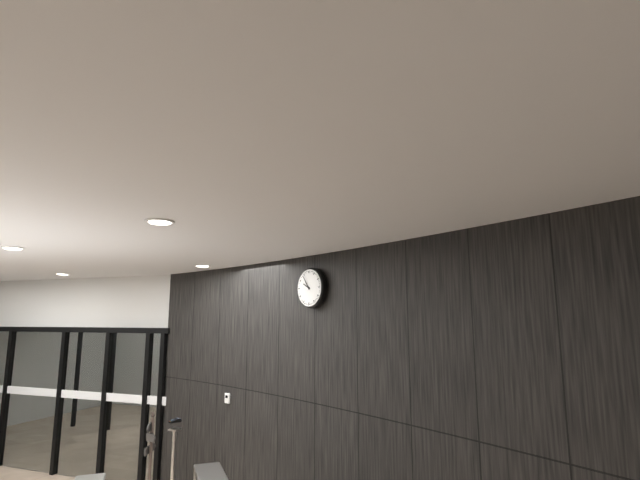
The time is 9:54
